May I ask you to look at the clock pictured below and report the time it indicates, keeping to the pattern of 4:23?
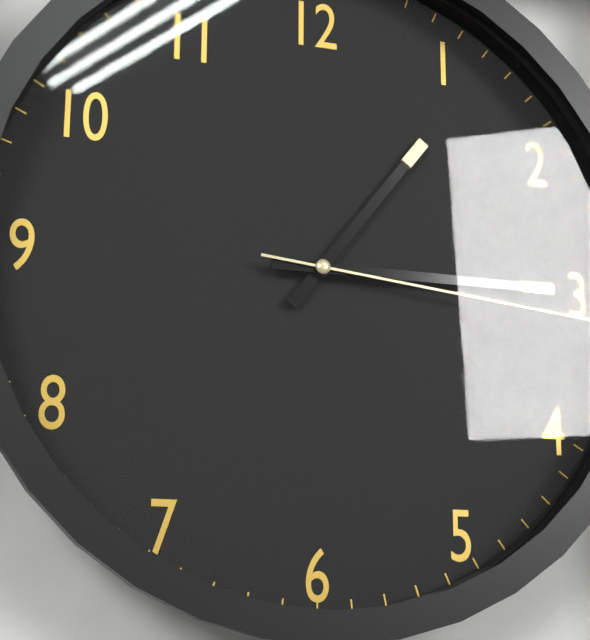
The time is 1:15
